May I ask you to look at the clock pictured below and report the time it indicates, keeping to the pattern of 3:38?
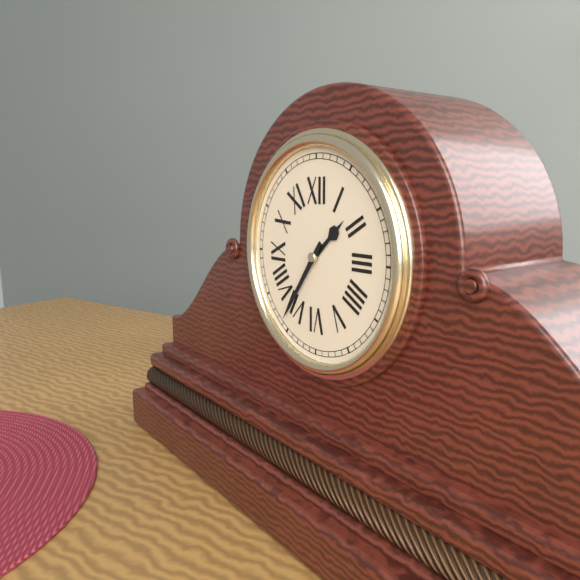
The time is 1:36
